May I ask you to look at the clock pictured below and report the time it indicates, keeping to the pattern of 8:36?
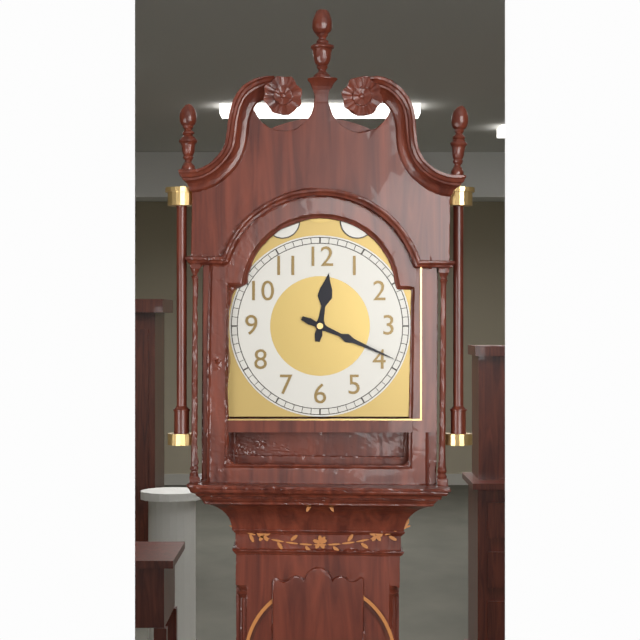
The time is 12:19
